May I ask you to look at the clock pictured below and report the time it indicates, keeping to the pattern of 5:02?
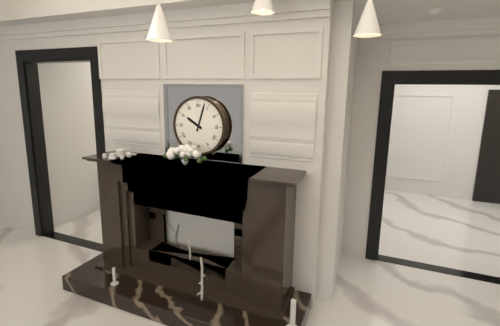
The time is 10:03
